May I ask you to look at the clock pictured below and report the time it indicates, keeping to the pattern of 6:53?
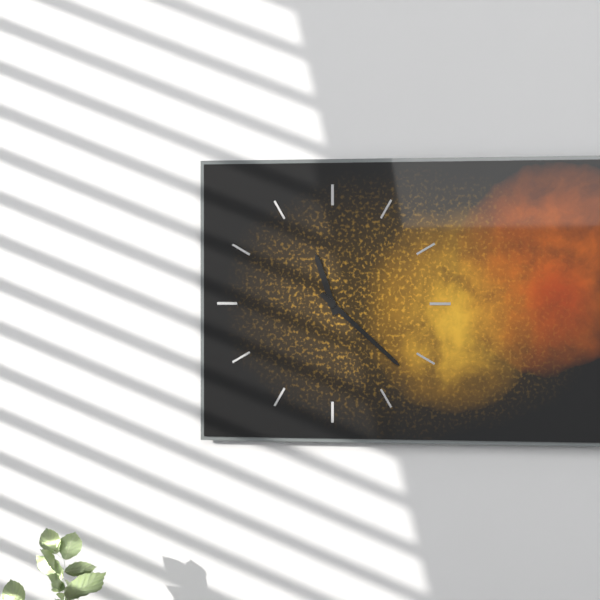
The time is 11:22
